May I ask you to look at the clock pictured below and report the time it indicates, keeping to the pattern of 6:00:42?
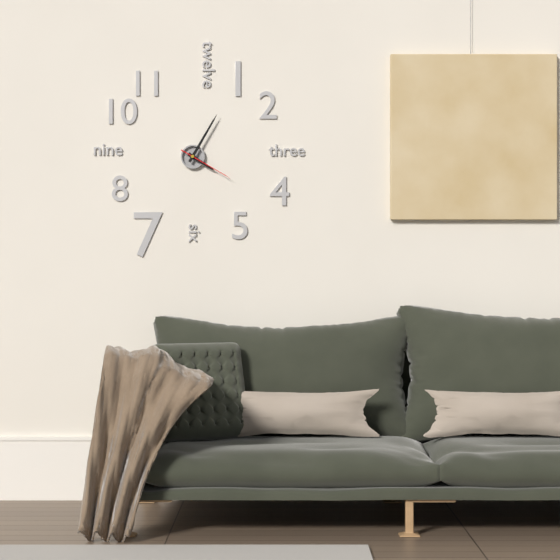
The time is 4:05:20
